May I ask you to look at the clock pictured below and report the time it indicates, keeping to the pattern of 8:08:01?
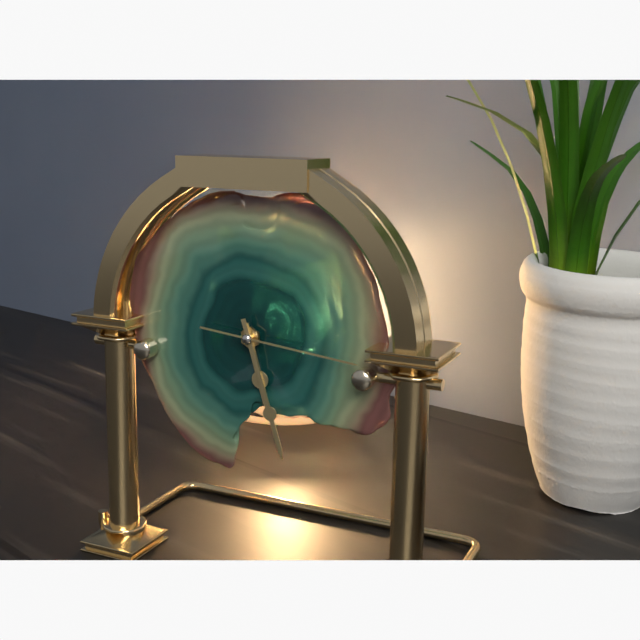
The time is 5:27:16
